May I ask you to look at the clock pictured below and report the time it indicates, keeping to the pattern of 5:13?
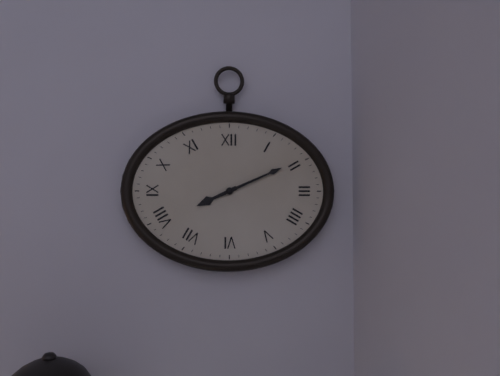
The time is 8:11
